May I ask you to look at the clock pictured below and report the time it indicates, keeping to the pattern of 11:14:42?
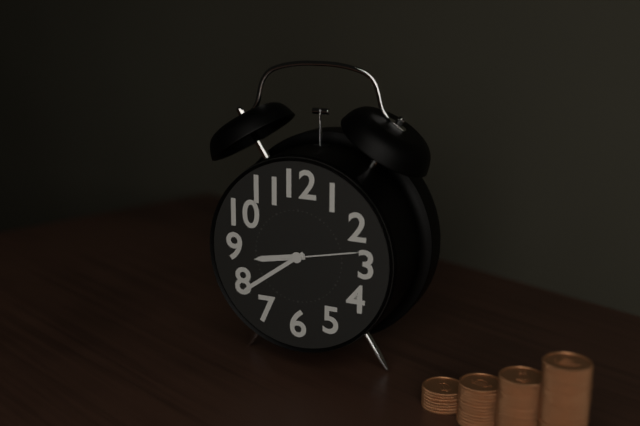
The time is 8:39:13
